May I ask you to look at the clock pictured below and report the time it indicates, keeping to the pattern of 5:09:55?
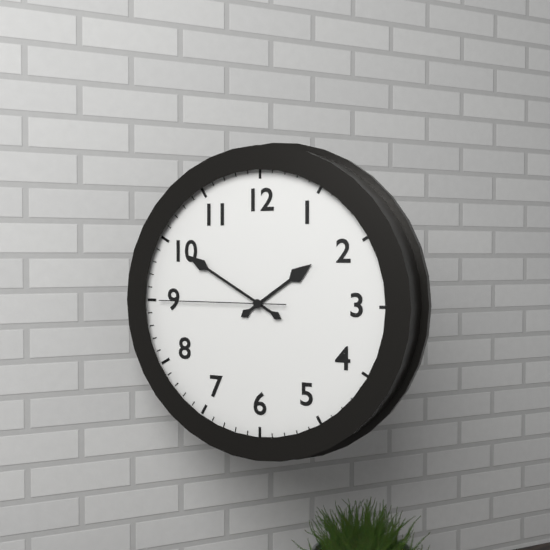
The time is 1:50:45
